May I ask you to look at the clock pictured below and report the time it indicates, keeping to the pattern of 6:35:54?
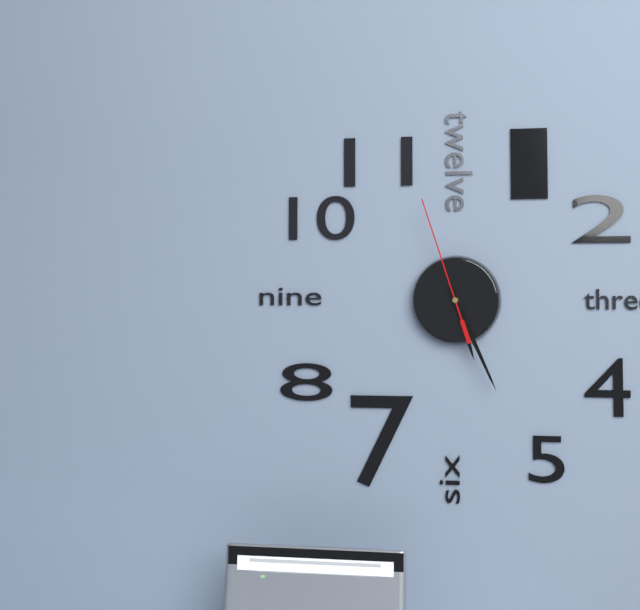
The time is 5:26:57
